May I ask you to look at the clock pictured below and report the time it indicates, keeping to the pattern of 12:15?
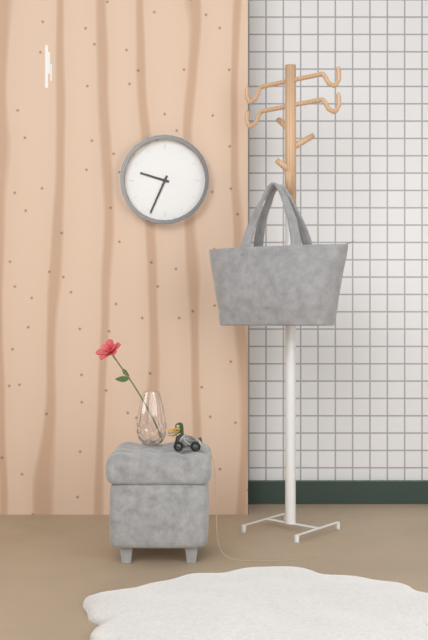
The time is 9:34
